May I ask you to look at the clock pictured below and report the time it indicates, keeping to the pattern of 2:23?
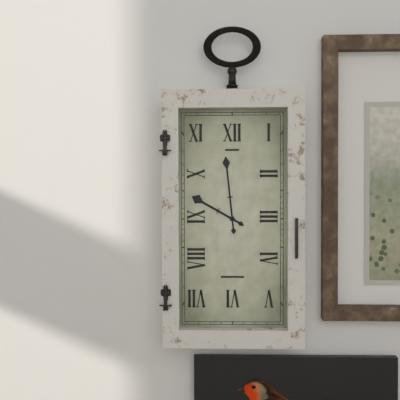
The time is 9:59
